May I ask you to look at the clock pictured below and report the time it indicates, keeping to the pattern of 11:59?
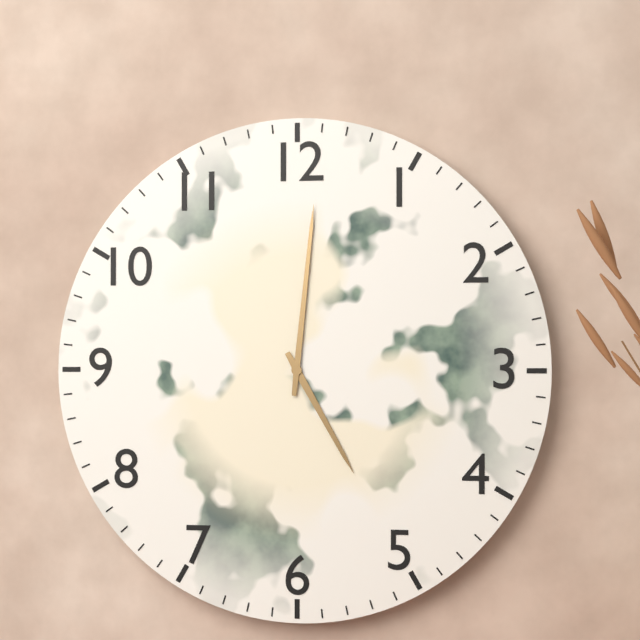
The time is 5:01
